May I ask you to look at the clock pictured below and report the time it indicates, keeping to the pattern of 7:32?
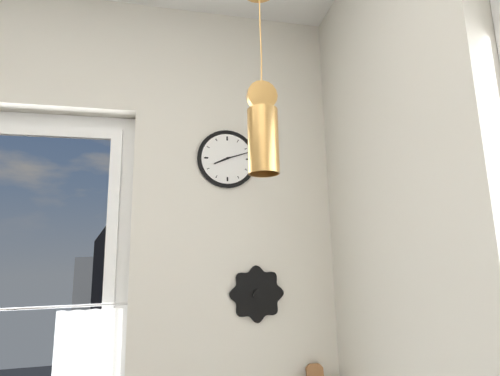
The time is 8:12
